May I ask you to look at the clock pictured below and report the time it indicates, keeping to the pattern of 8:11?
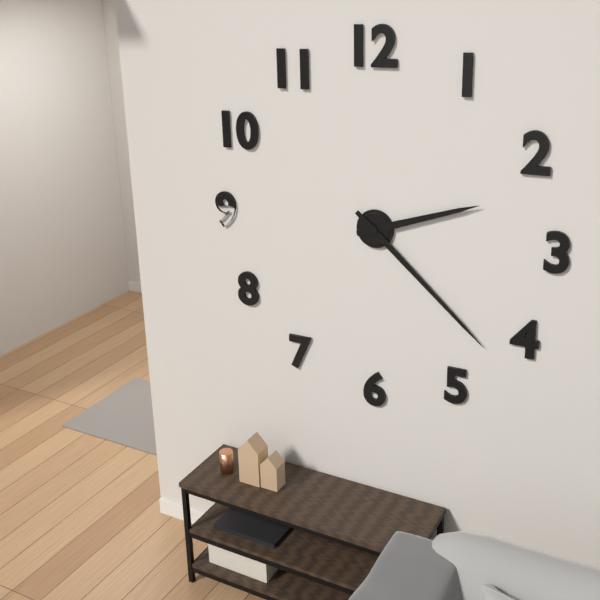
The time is 2:22
